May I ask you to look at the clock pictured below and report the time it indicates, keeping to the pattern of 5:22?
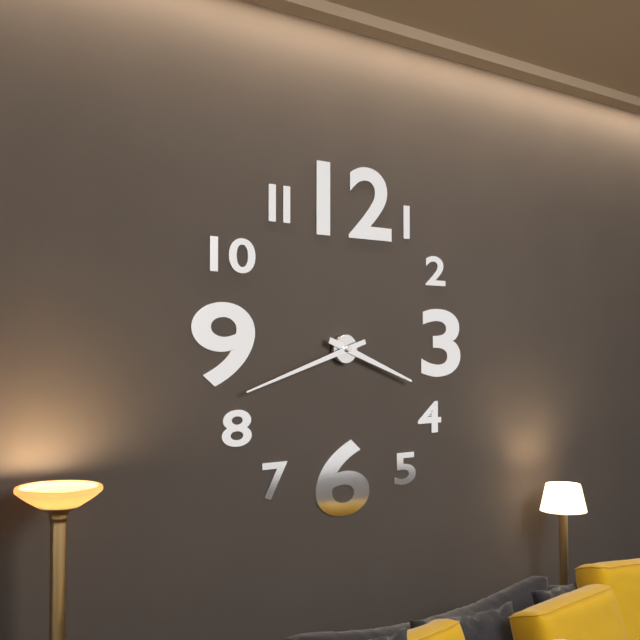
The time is 3:42
